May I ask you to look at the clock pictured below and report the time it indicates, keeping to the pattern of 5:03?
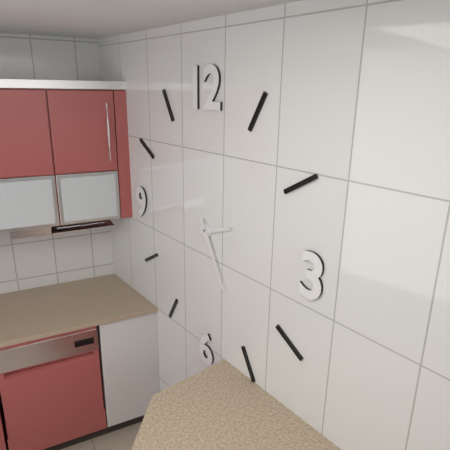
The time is 2:25
